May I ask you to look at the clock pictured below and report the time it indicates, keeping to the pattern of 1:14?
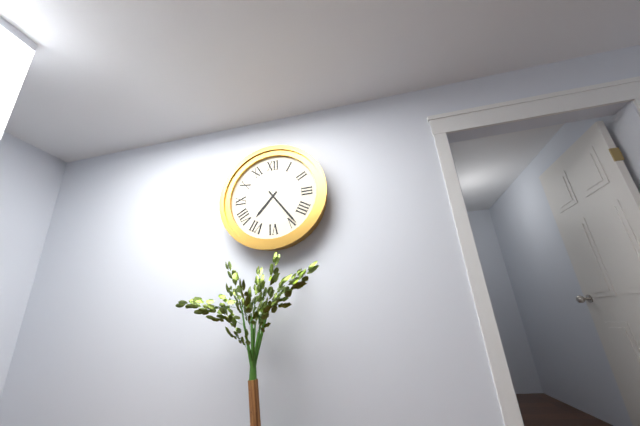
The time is 7:24
